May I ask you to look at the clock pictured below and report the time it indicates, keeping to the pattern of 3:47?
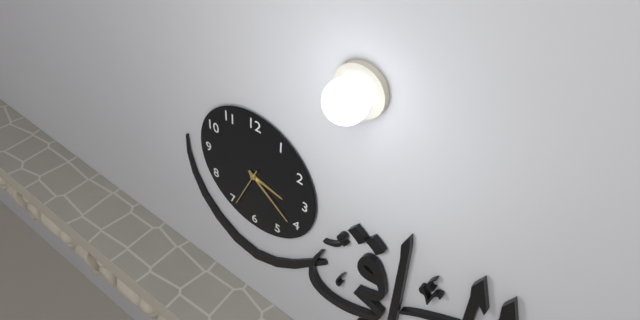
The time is 3:21
